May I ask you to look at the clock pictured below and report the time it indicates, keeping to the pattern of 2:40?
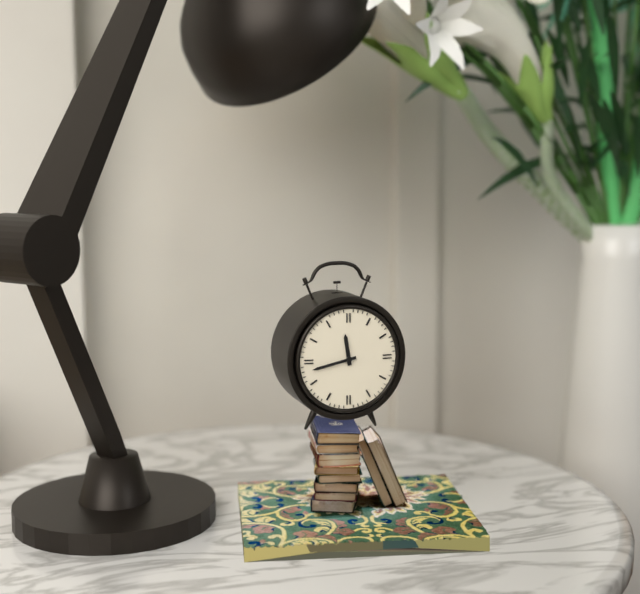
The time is 11:43
